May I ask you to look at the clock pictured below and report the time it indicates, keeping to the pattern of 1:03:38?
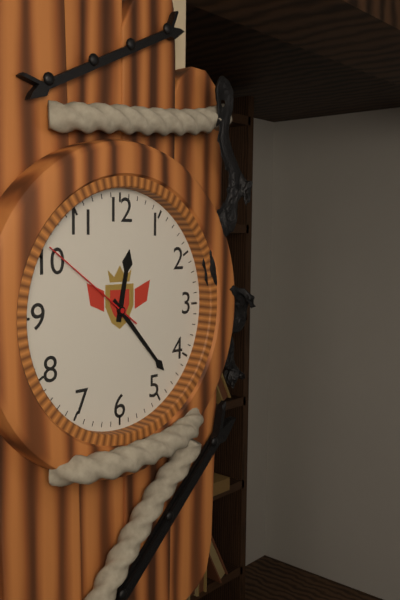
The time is 12:23:51
